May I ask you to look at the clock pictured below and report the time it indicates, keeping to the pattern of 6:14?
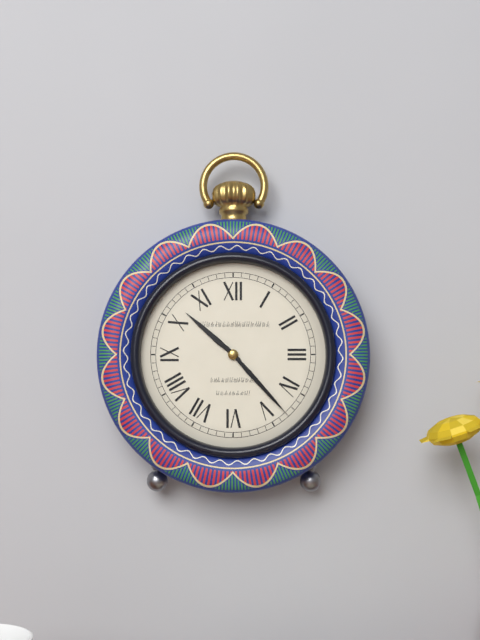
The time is 10:23
